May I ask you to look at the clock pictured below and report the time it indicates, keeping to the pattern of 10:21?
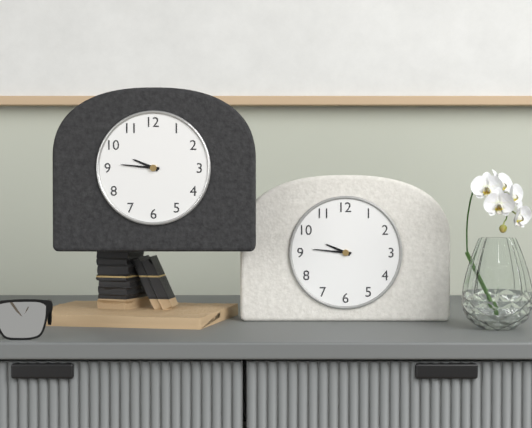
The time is 9:46
